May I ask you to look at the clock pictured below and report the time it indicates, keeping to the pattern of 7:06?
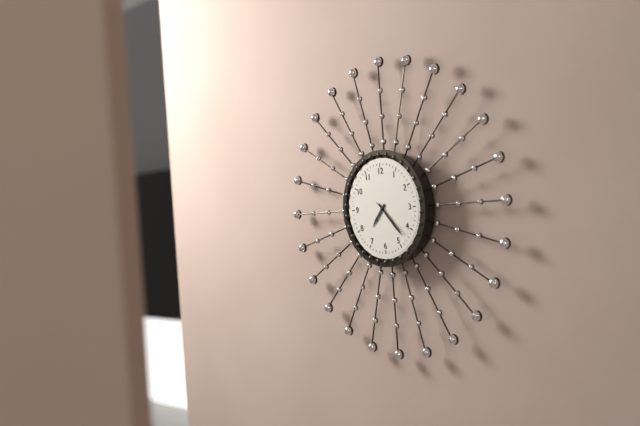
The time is 7:23
